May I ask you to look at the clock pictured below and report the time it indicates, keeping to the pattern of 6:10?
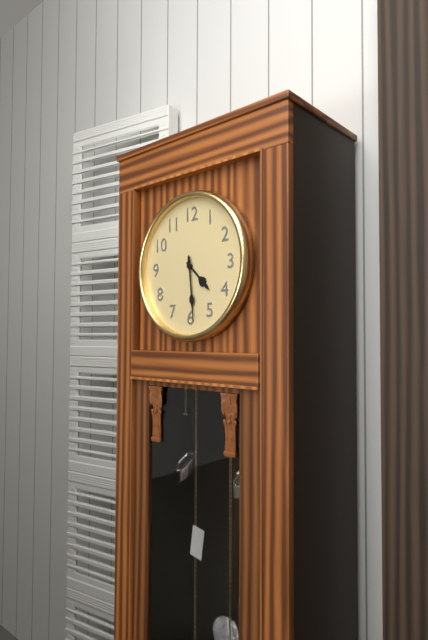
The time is 4:29
